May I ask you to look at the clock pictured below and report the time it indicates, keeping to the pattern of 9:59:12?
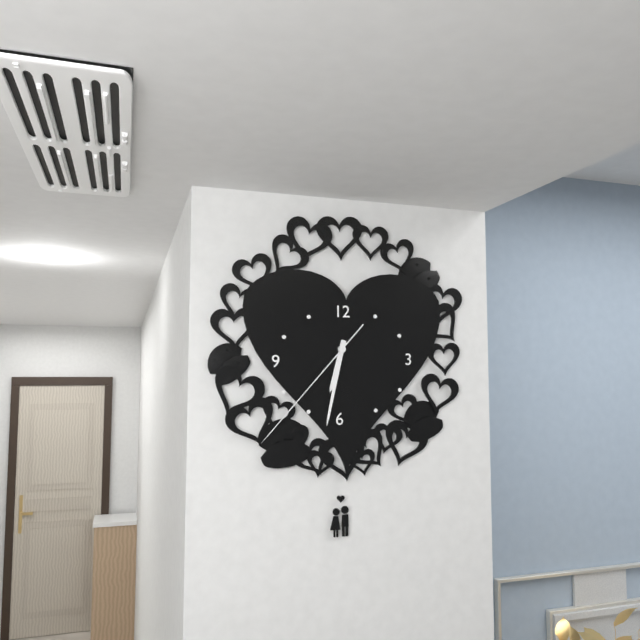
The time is 6:32:37
